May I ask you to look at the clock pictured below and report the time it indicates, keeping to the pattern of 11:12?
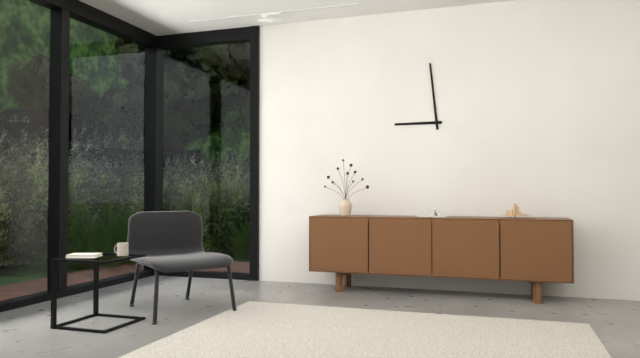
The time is 8:59
